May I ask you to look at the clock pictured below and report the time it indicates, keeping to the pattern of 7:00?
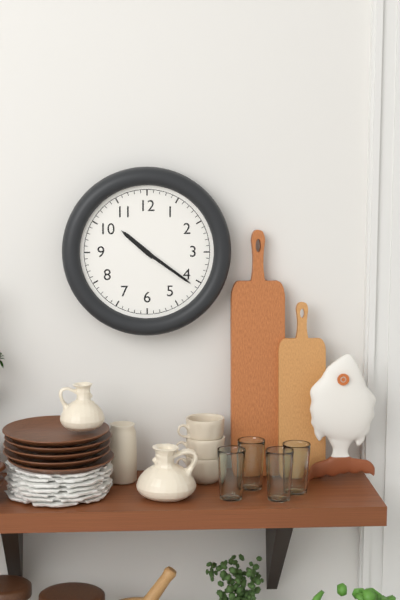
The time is 10:21
